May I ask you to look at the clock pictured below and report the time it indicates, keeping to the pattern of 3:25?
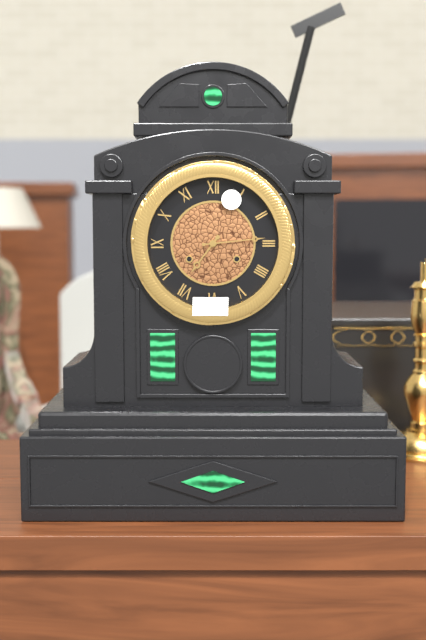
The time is 7:14
